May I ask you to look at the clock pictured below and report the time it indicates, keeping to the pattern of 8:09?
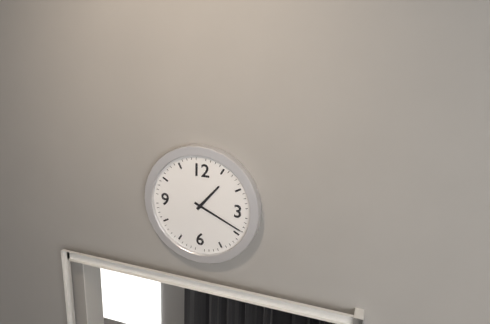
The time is 1:19
